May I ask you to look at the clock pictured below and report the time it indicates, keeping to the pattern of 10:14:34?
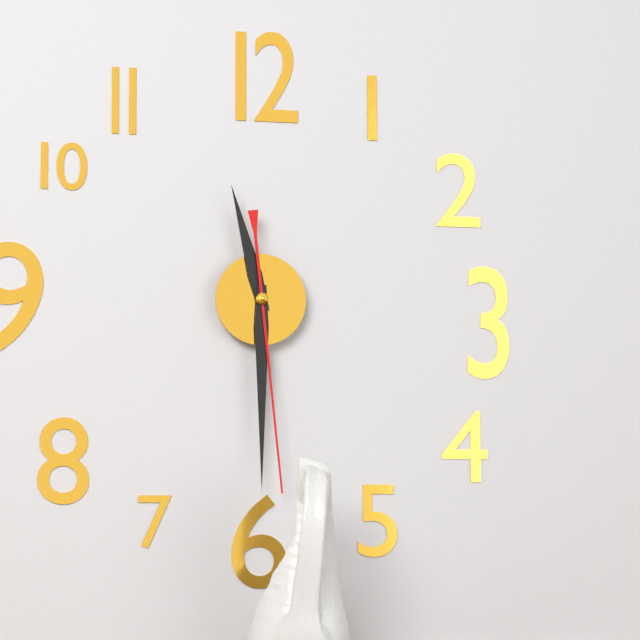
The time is 11:30:29
